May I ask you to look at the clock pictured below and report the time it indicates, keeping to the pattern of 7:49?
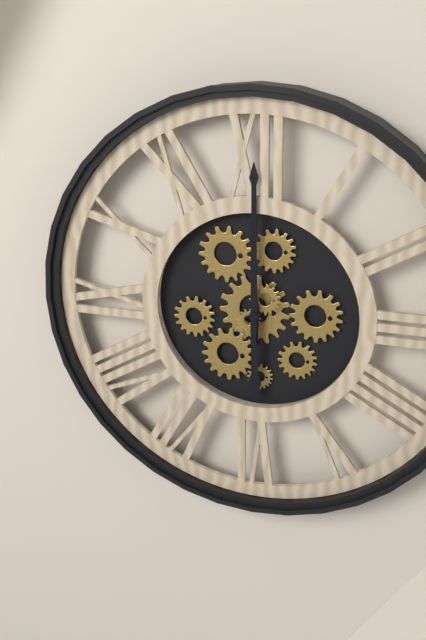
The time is 6:00
